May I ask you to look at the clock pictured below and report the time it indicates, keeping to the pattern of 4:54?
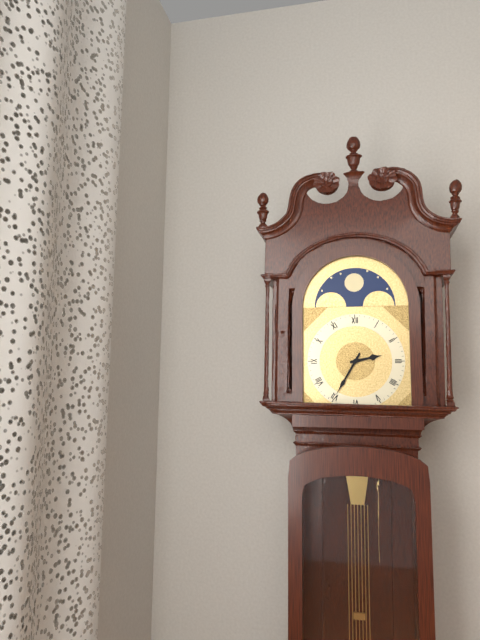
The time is 2:35
